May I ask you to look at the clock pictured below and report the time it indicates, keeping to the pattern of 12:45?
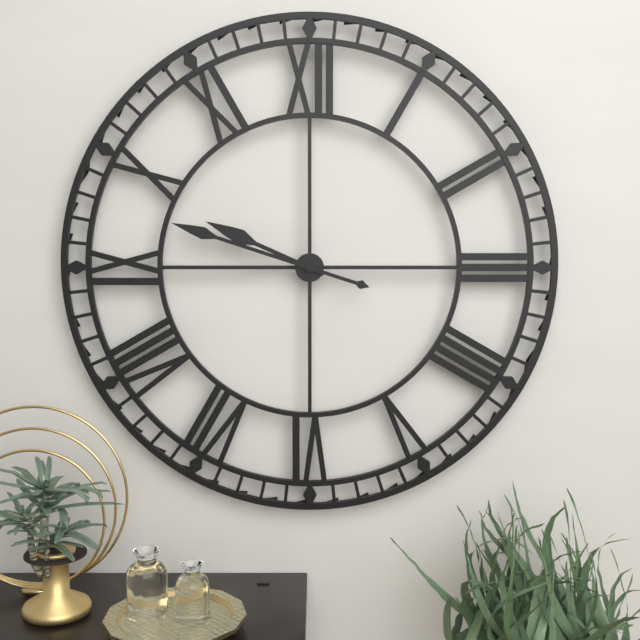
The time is 9:48
